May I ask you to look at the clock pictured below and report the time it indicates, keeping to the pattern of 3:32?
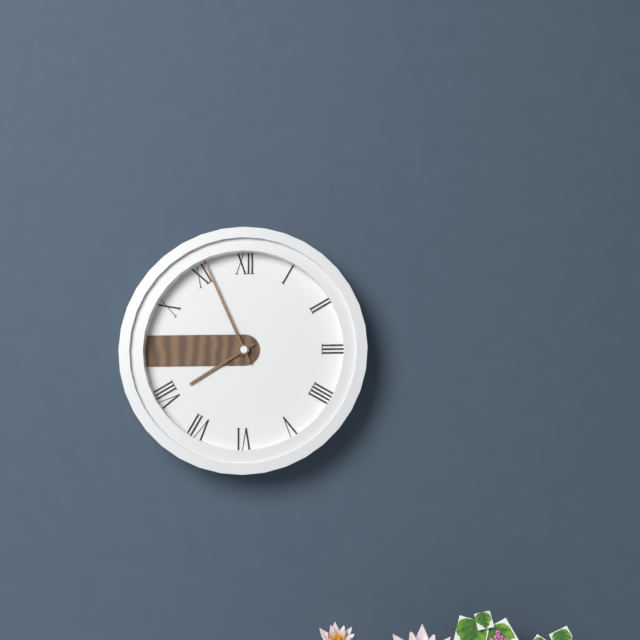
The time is 7:56
